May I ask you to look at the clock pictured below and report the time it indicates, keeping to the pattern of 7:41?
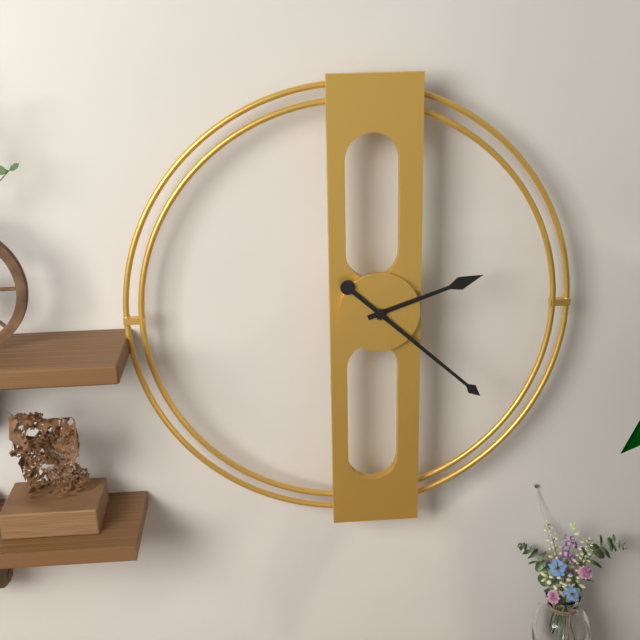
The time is 2:22
